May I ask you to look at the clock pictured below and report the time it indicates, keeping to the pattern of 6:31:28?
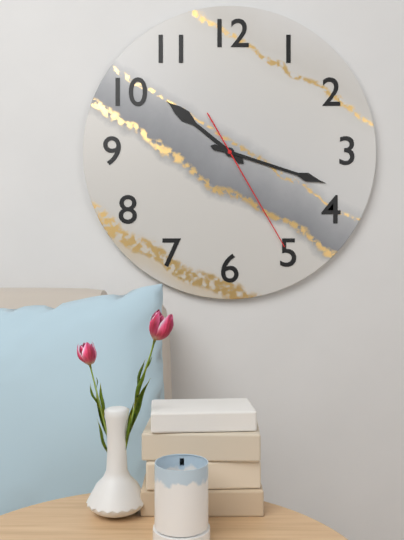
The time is 10:18:25
